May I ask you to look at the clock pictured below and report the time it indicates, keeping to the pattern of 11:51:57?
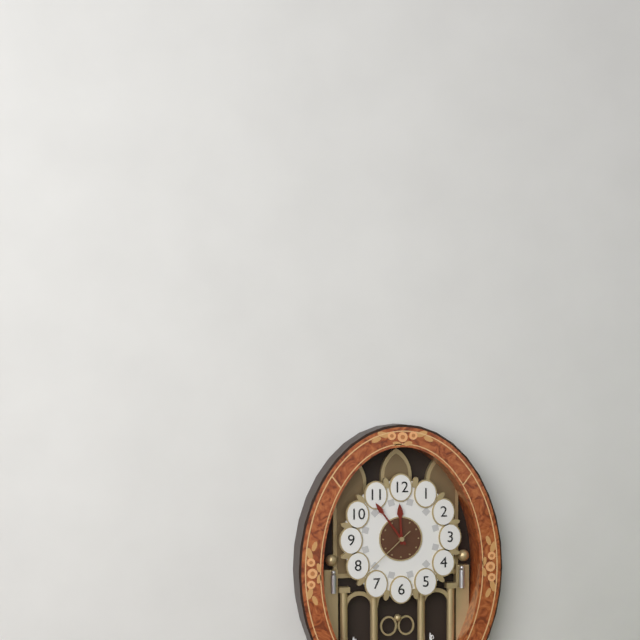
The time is 11:54:38
